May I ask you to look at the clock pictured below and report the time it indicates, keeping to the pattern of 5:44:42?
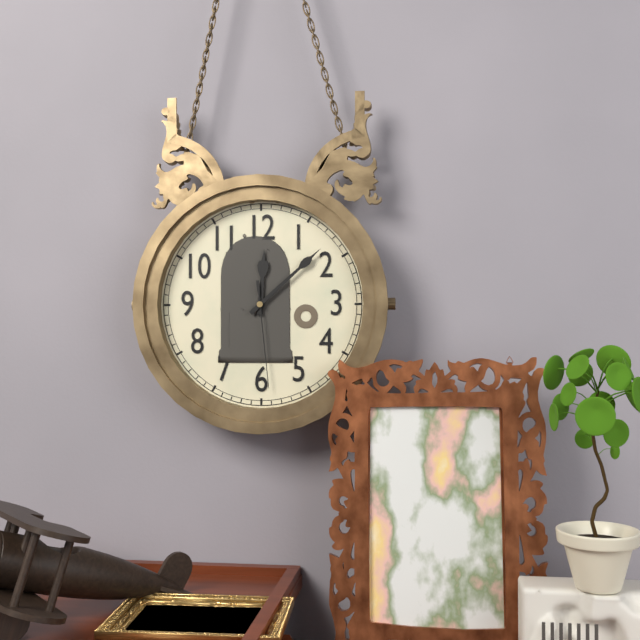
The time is 12:08:29
